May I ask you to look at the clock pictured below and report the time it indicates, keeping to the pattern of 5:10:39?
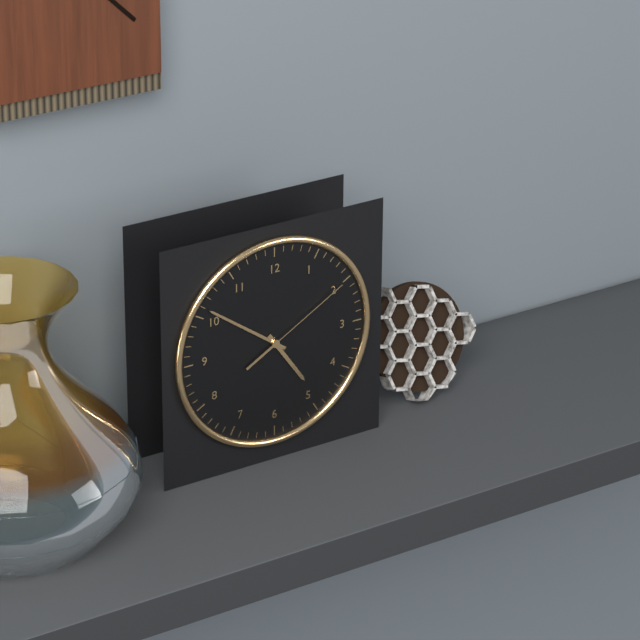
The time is 4:51:10
